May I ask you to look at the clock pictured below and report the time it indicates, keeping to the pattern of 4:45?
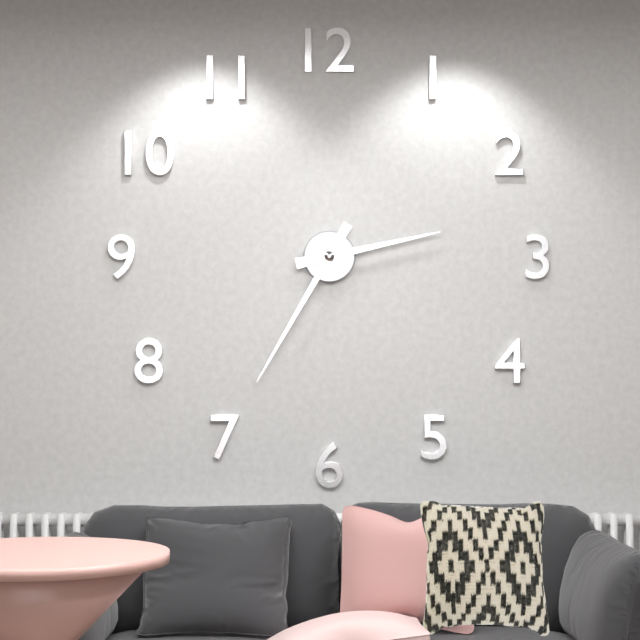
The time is 2:35
